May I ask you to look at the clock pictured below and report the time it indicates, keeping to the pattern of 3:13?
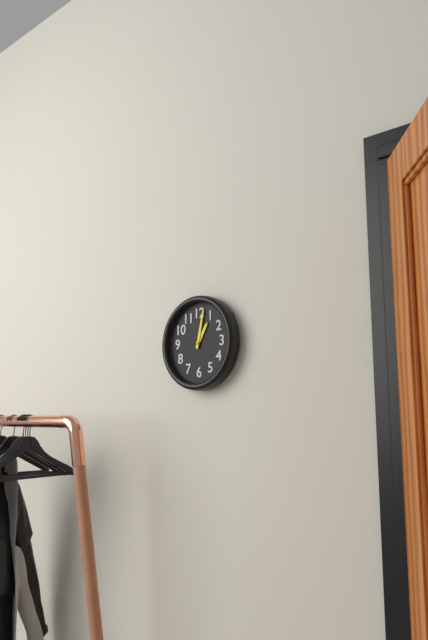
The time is 1:02
